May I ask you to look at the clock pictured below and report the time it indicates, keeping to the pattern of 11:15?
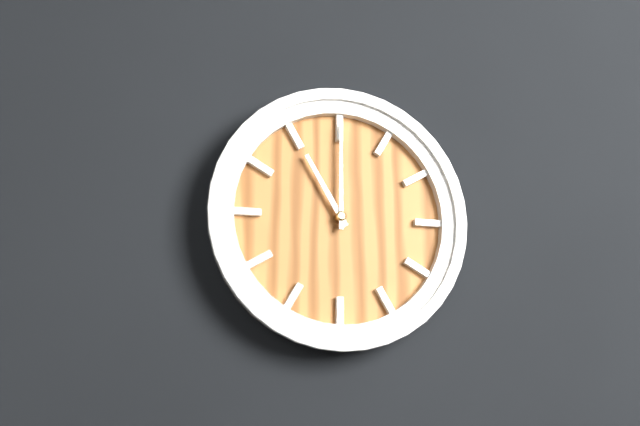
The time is 11:00
